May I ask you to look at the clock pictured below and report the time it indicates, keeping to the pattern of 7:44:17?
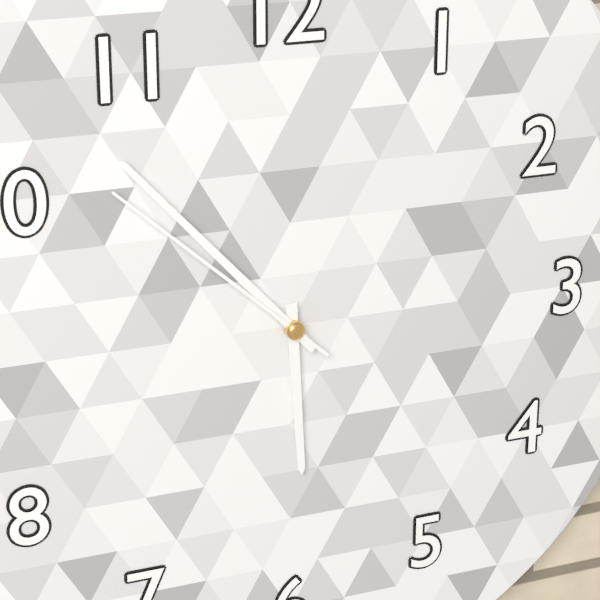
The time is 5:53:52
